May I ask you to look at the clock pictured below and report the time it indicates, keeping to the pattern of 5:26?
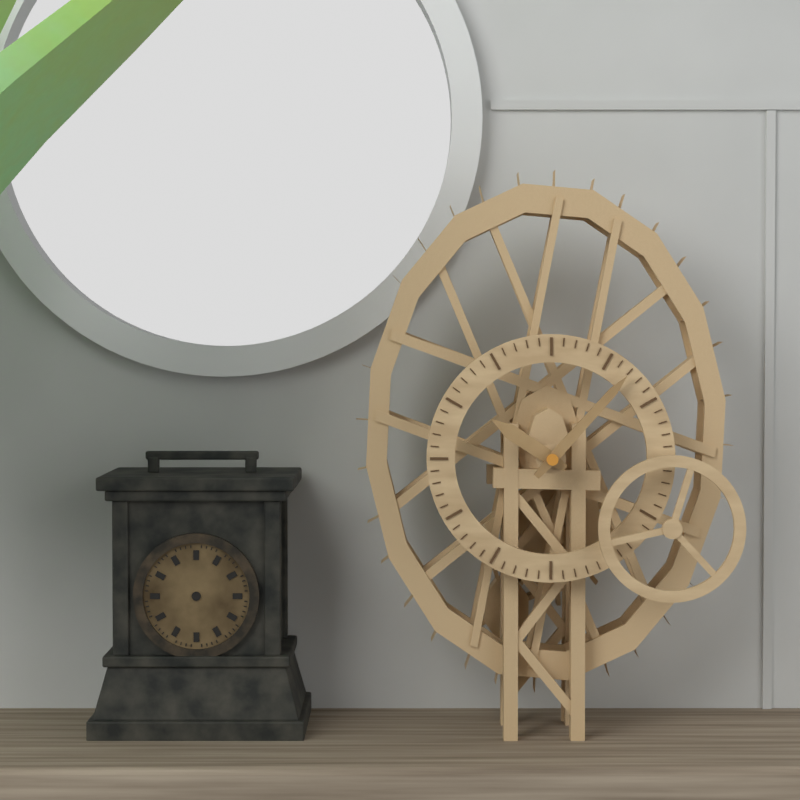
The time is 10:07
